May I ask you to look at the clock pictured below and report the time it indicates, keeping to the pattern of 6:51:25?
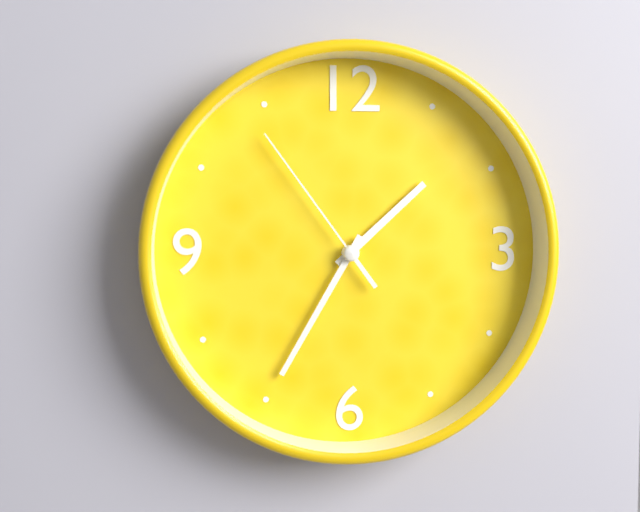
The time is 1:35:54
